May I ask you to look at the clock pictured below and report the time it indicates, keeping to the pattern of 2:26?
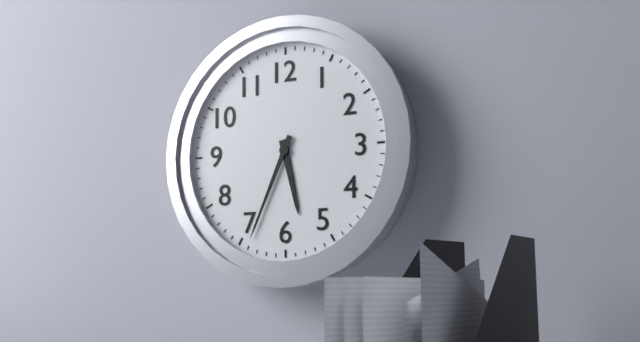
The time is 5:34
